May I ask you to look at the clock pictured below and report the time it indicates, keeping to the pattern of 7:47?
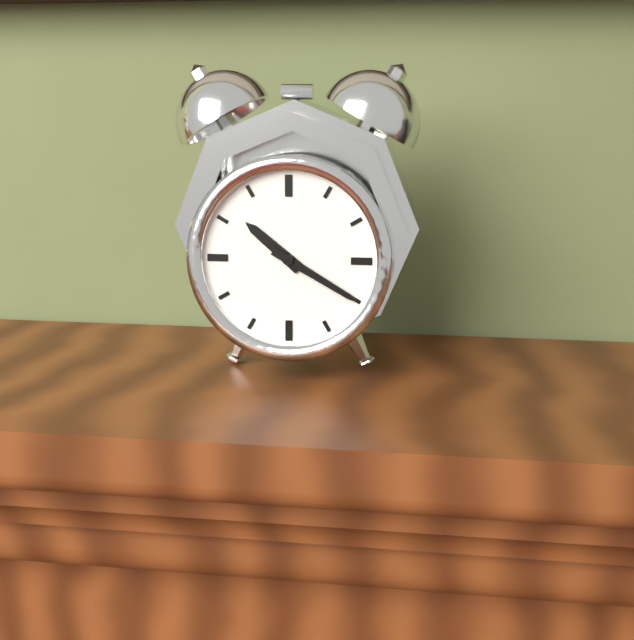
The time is 10:20
